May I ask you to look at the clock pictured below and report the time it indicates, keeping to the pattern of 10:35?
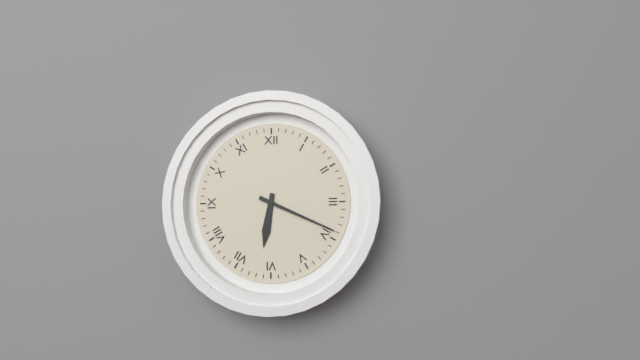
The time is 6:19
